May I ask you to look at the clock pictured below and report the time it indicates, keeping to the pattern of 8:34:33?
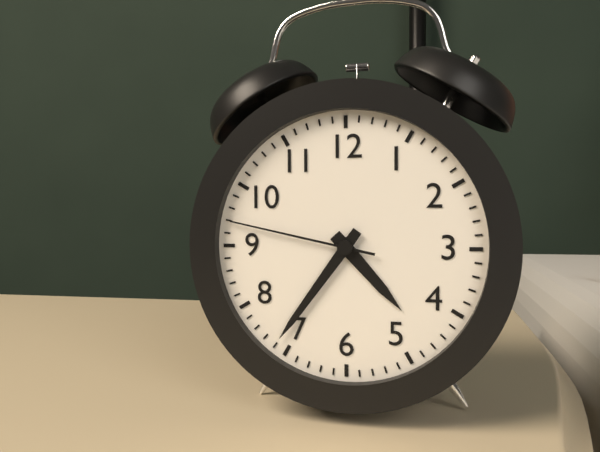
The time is 4:36:47
